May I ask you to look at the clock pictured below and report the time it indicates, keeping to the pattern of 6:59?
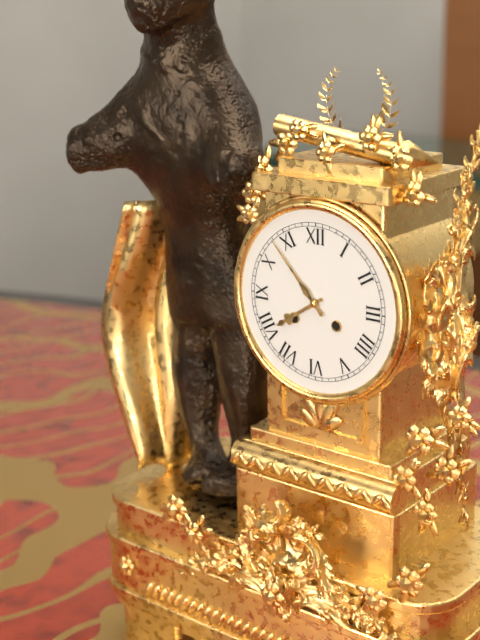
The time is 7:53
